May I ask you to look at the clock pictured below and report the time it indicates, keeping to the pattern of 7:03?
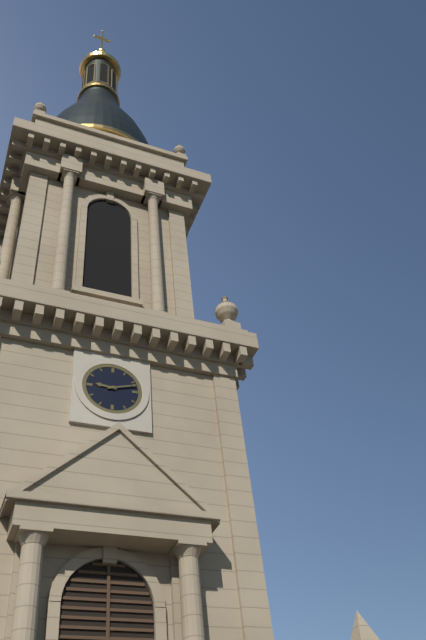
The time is 9:12
